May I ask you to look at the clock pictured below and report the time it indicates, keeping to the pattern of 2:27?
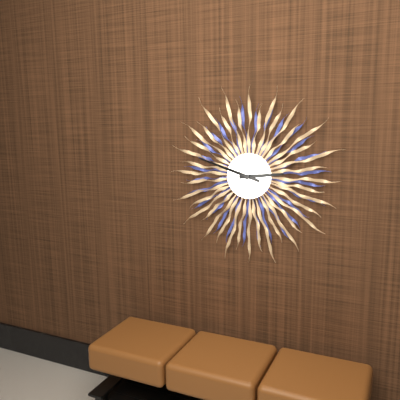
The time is 2:48
